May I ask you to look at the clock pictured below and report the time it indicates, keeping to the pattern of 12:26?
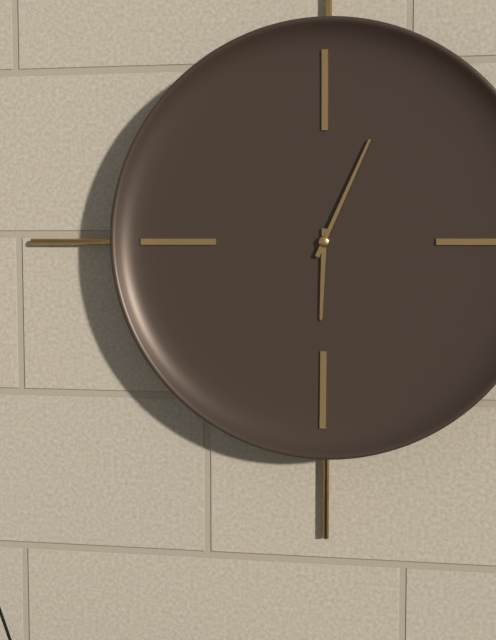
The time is 6:04
